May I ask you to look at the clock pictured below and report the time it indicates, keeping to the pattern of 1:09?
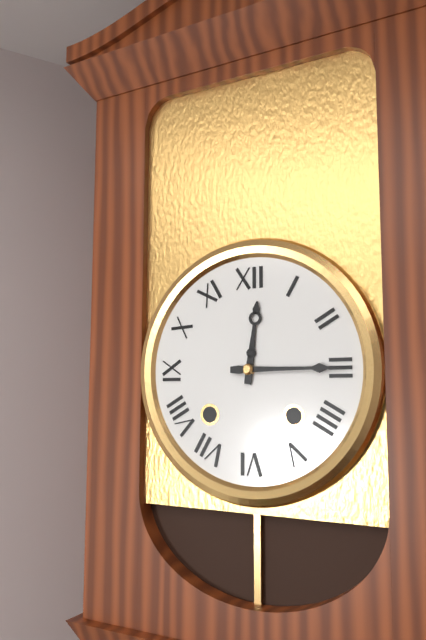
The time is 12:15
